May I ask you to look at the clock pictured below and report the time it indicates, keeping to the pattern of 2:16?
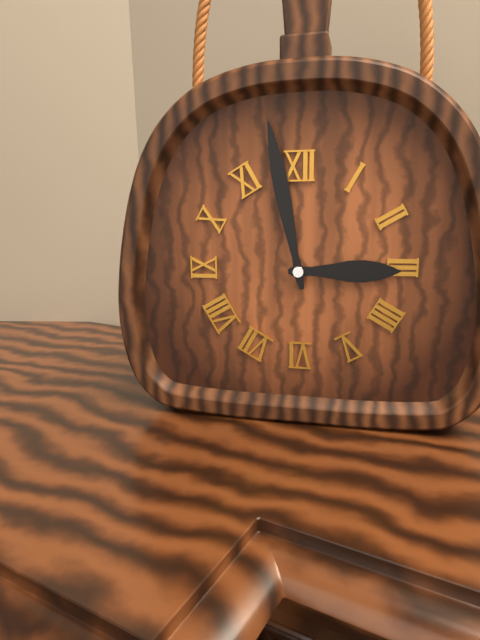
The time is 2:58
